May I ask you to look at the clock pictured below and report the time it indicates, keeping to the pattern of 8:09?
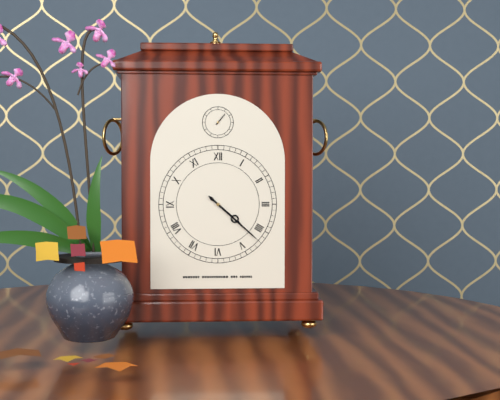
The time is 4:22
